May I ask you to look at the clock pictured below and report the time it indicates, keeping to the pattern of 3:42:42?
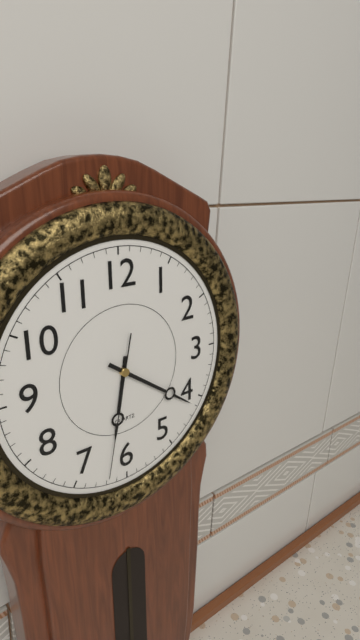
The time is 6:21:32
